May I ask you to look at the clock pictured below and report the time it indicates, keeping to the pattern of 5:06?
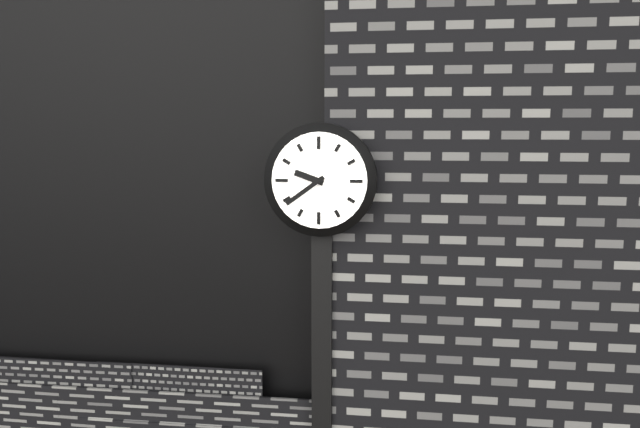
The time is 9:39
